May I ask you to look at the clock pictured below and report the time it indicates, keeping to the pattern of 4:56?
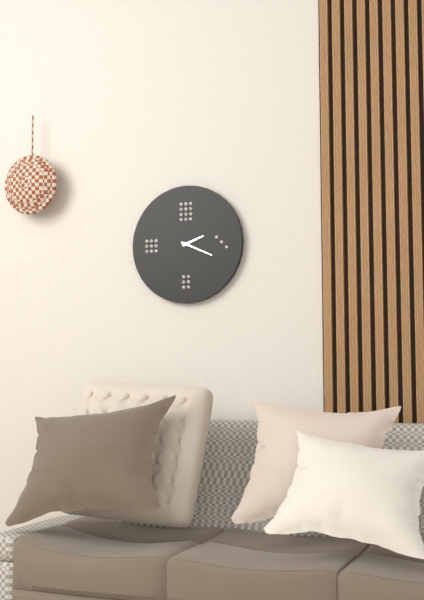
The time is 2:19
